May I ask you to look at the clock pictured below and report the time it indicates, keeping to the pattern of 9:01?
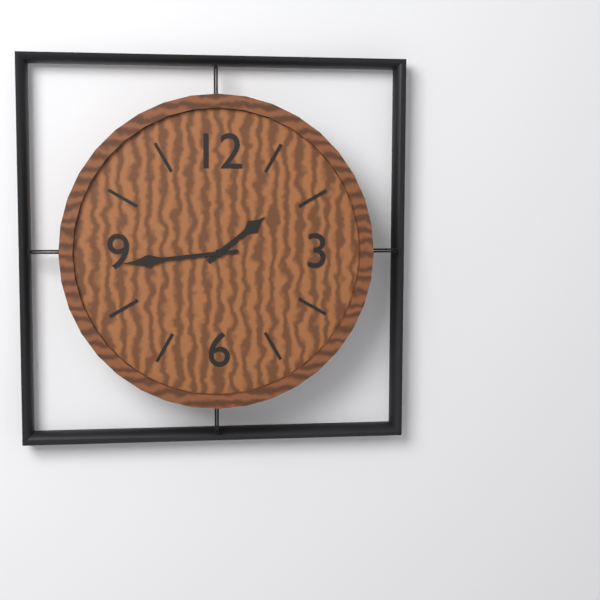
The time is 1:44
